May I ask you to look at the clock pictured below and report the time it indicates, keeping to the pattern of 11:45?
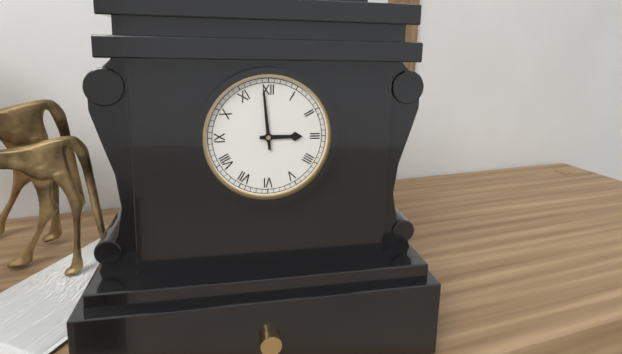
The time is 2:59
